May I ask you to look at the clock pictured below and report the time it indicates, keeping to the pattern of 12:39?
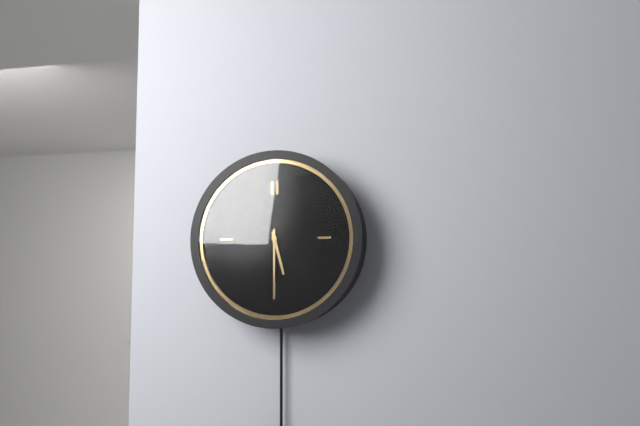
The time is 5:30
